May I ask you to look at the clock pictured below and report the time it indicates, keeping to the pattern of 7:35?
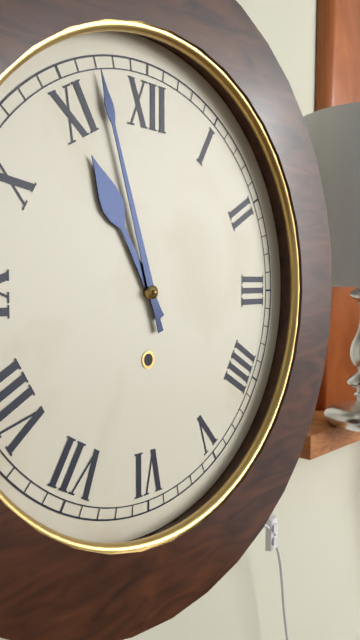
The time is 10:57
